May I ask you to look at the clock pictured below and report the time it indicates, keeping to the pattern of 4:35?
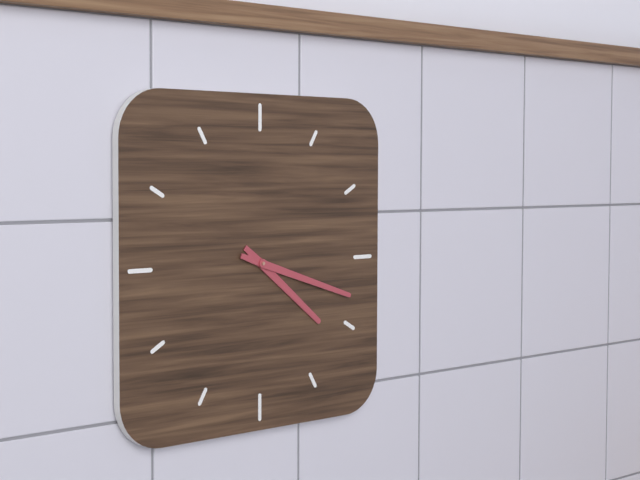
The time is 4:18
